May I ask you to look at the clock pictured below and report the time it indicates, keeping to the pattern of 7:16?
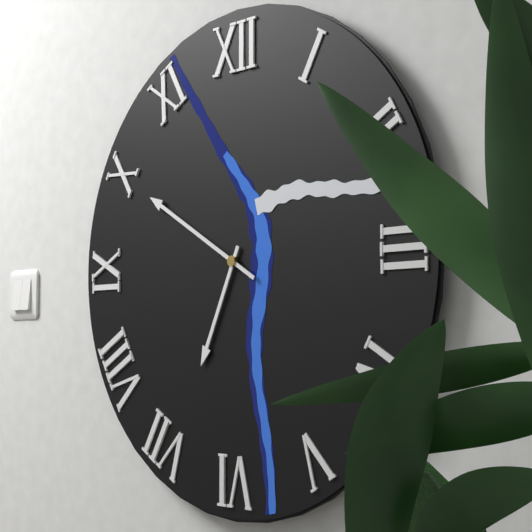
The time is 6:50
